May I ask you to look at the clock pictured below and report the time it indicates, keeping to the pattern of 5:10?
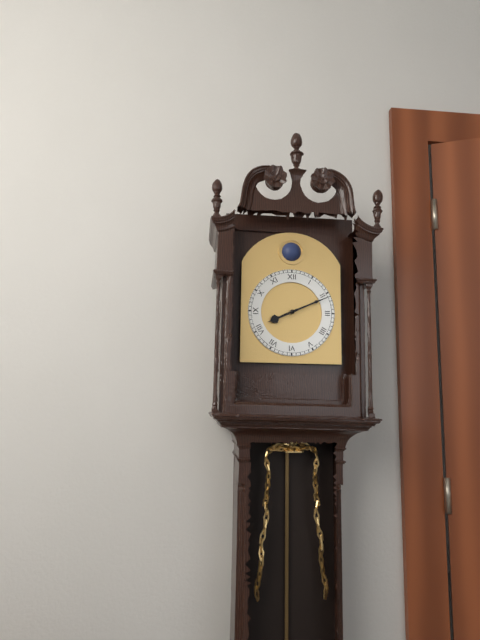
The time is 8:11
